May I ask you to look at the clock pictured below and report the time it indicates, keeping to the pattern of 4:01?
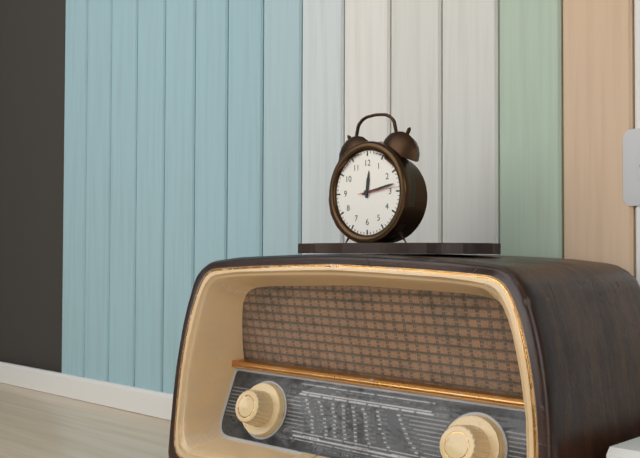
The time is 12:13
